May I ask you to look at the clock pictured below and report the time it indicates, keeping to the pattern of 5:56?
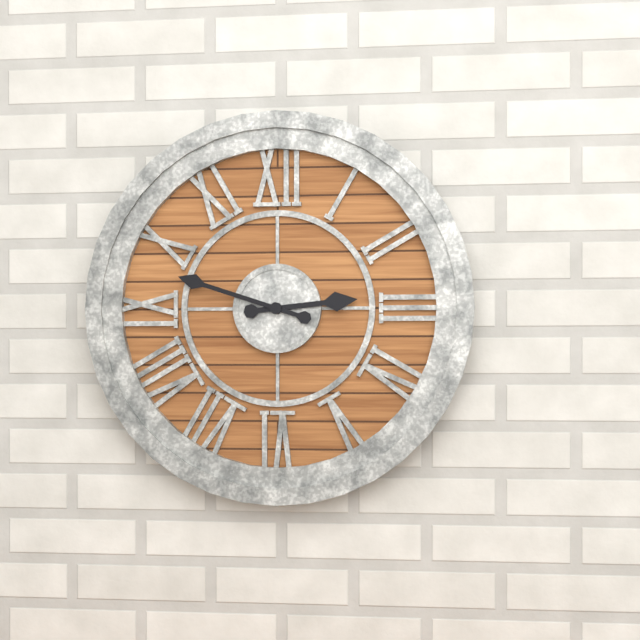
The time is 2:48
